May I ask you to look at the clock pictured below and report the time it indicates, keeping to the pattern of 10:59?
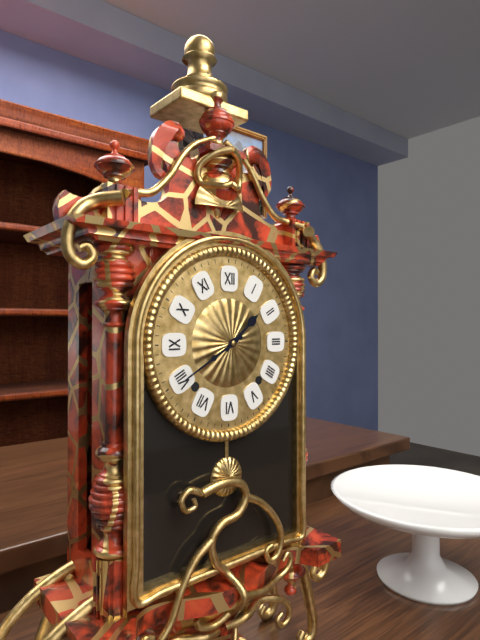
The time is 1:40
